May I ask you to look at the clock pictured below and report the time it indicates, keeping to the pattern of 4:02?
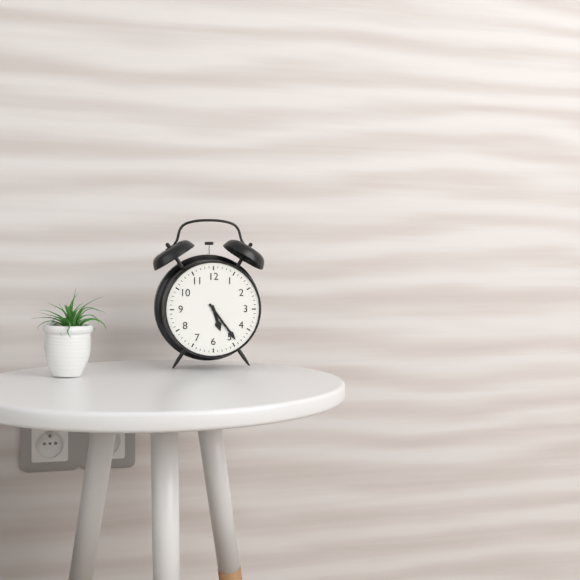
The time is 5:24
